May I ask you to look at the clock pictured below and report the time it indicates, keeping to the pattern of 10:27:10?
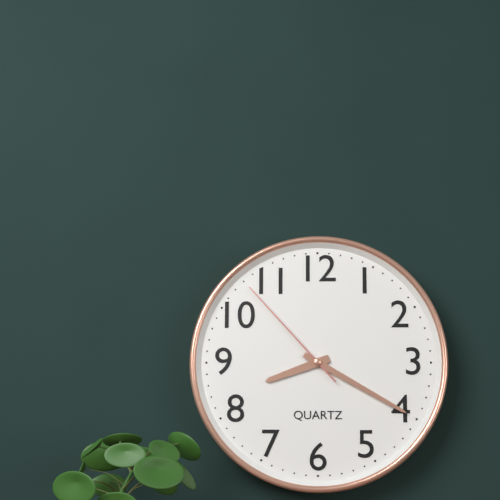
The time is 8:20:53
